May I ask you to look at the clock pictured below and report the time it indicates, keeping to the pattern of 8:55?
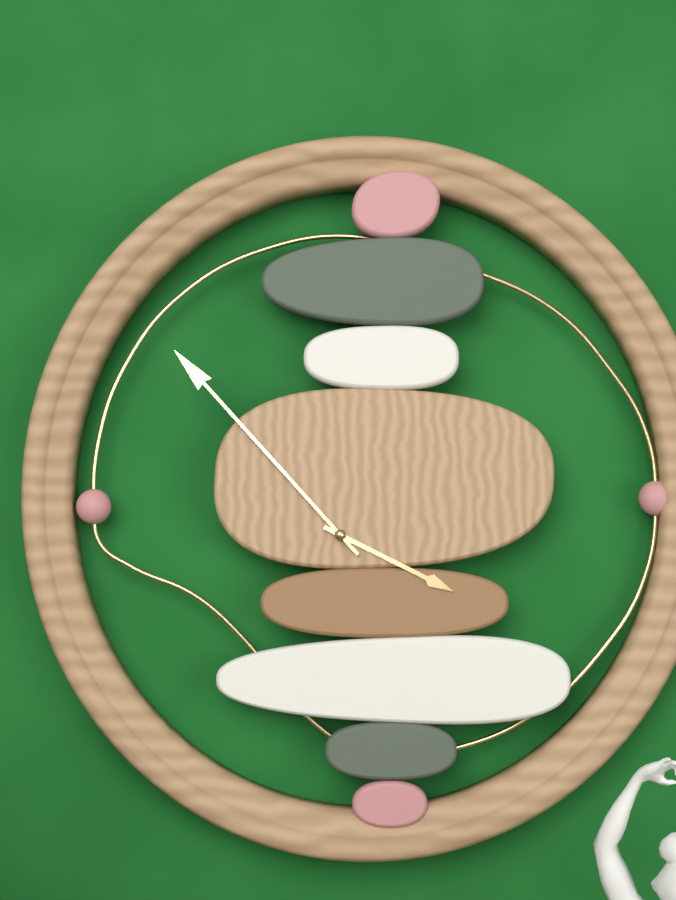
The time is 3:53
